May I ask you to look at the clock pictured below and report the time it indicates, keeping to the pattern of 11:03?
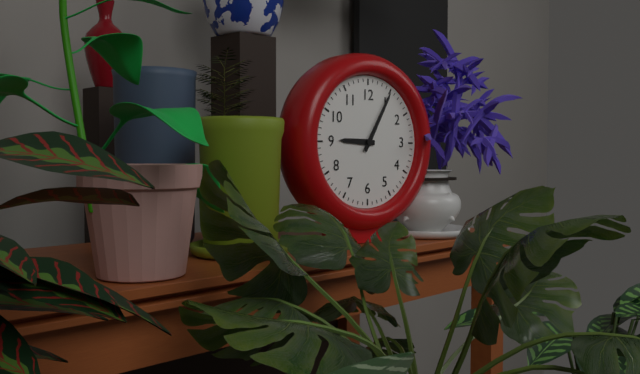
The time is 9:05
